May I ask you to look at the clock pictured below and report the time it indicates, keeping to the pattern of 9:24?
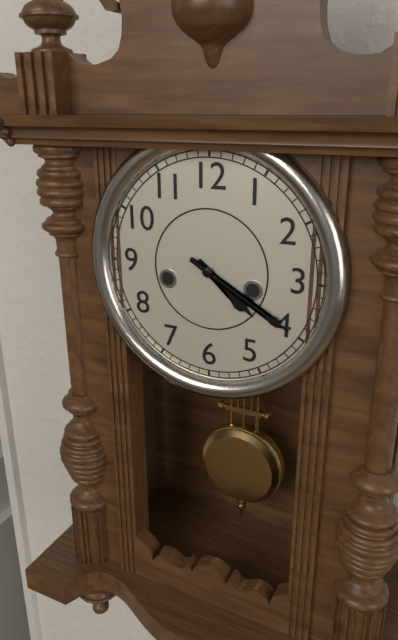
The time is 4:20
